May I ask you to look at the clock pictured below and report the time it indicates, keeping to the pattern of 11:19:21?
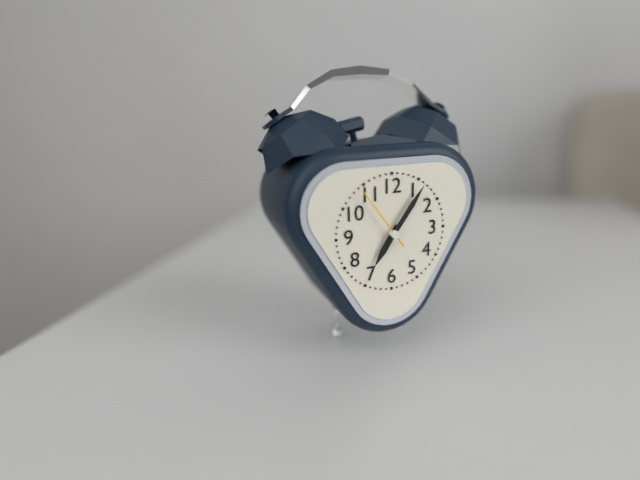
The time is 7:06:54
